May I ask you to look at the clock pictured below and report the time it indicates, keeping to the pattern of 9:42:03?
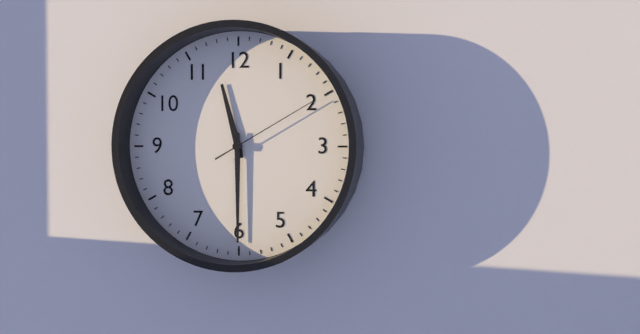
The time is 11:30:10
